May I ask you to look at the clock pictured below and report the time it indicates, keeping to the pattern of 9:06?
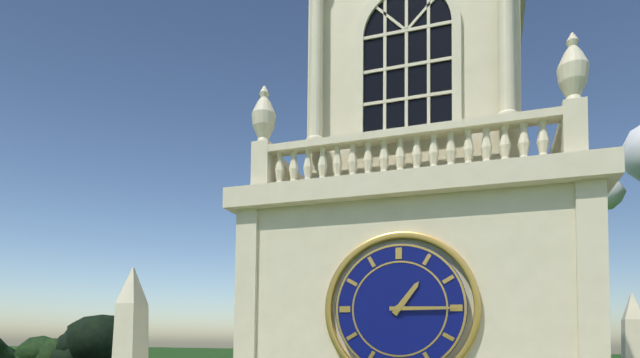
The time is 1:15
